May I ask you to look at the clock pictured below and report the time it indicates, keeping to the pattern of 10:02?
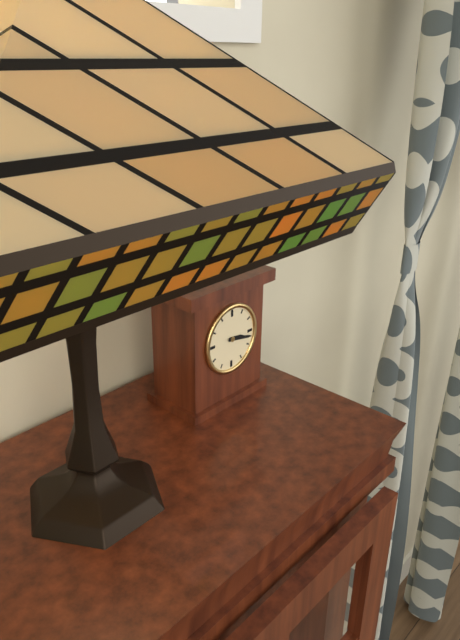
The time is 3:17
